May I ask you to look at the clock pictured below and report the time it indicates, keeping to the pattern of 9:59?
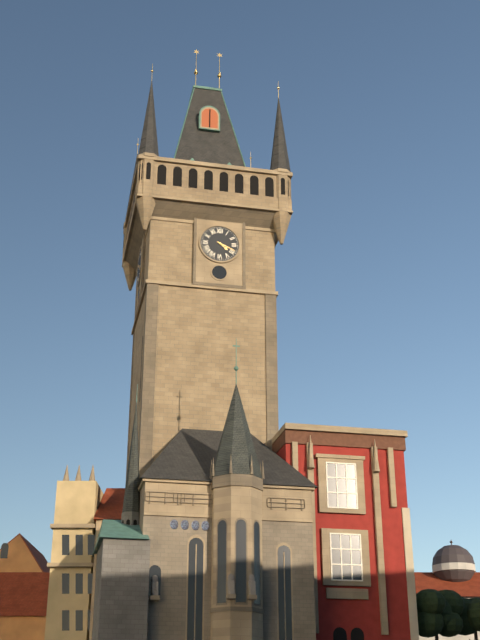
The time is 4:19
